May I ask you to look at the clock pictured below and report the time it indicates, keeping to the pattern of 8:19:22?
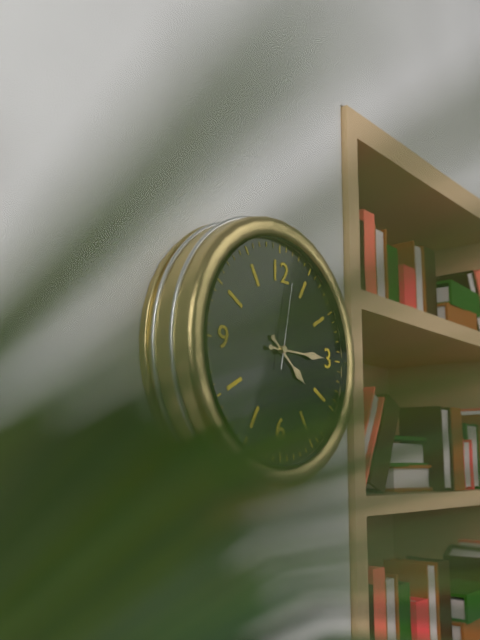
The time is 4:15:02
